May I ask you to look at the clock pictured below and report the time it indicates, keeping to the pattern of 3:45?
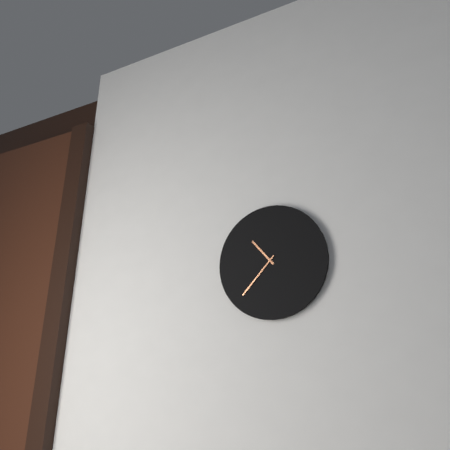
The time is 10:37
